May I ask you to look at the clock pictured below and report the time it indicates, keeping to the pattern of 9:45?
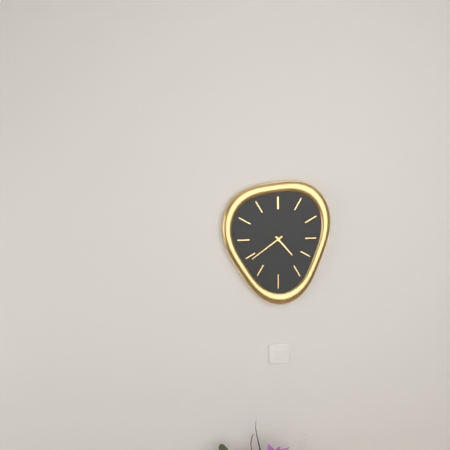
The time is 4:39
